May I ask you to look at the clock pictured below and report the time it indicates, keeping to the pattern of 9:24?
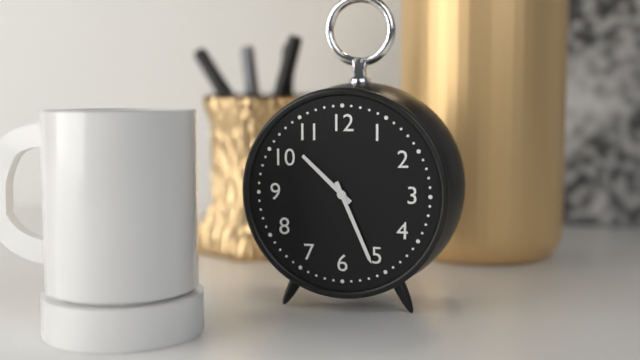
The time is 10:26
